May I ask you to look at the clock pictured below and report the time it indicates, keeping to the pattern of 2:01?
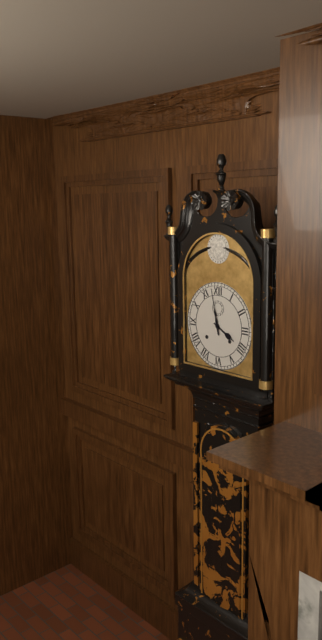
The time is 3:58
